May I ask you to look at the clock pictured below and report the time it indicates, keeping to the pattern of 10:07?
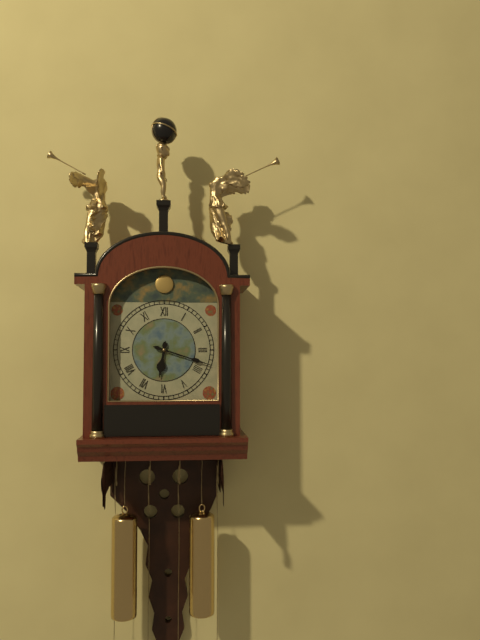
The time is 6:18
